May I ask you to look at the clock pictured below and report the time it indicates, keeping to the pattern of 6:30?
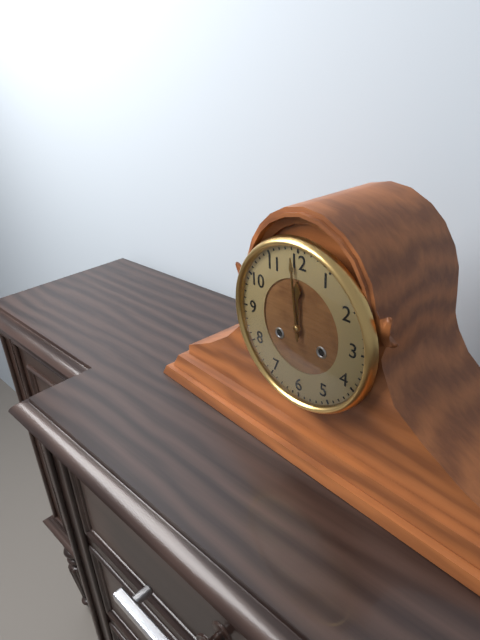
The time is 11:59
